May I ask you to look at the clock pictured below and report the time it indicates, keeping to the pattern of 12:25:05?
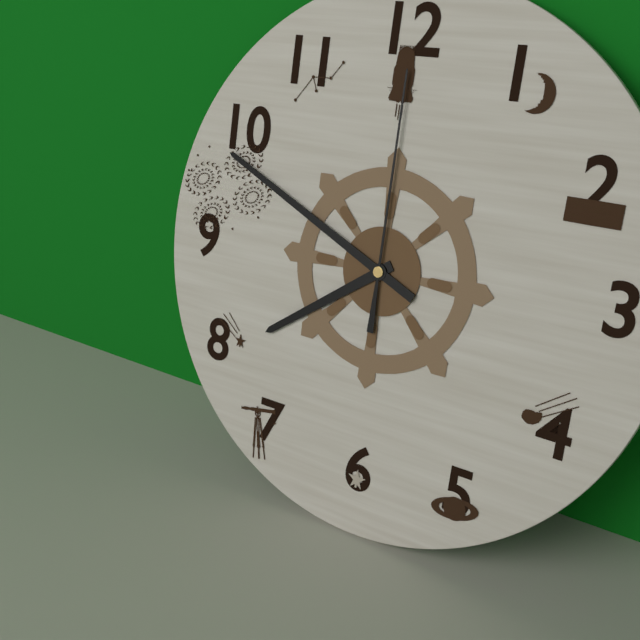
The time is 7:49:00
